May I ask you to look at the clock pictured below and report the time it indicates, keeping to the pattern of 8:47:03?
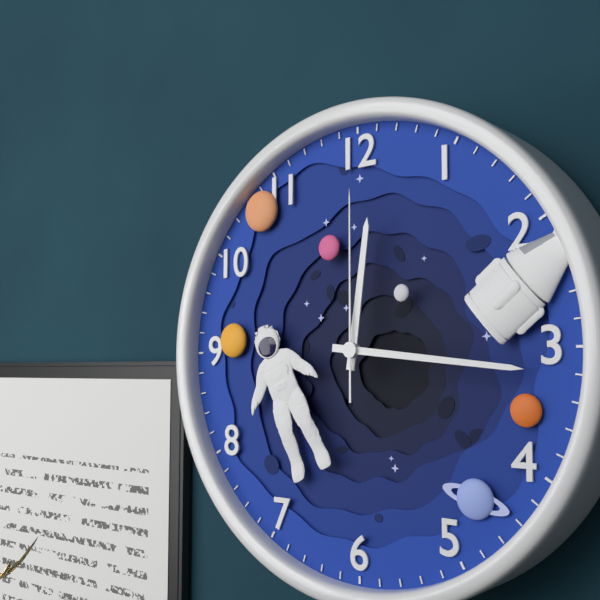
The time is 12:16:00
